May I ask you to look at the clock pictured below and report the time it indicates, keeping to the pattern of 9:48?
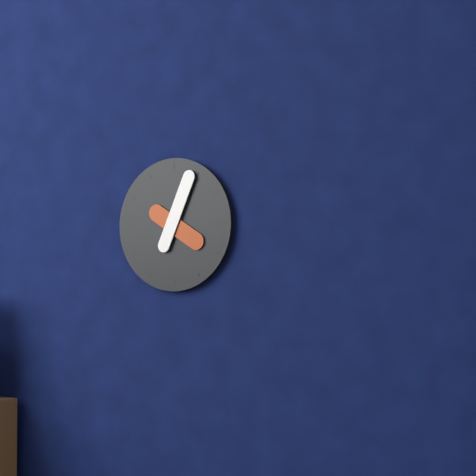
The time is 4:04
